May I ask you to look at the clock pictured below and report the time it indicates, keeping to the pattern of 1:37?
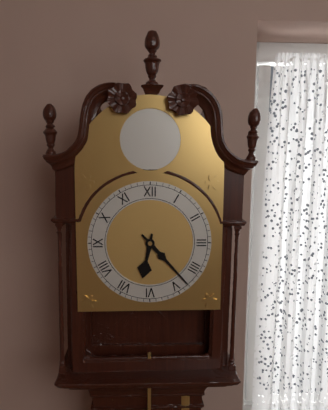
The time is 6:23
